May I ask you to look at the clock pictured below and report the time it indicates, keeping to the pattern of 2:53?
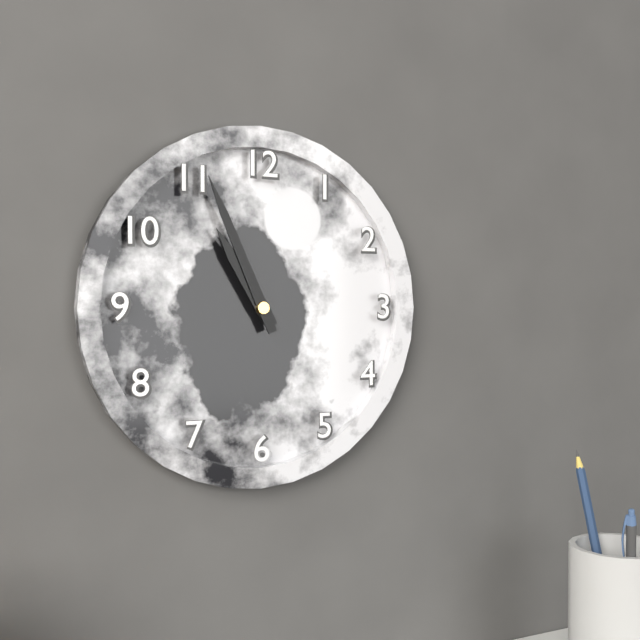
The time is 10:56
